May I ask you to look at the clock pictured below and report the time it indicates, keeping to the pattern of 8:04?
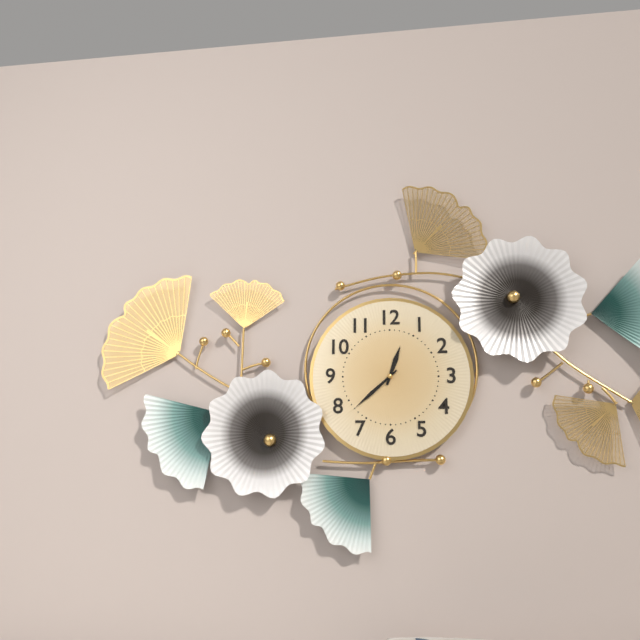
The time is 12:38
